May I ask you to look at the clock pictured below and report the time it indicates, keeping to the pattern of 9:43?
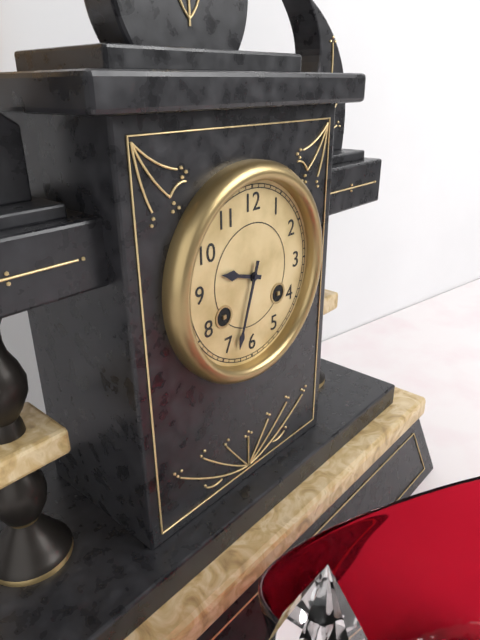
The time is 9:33
